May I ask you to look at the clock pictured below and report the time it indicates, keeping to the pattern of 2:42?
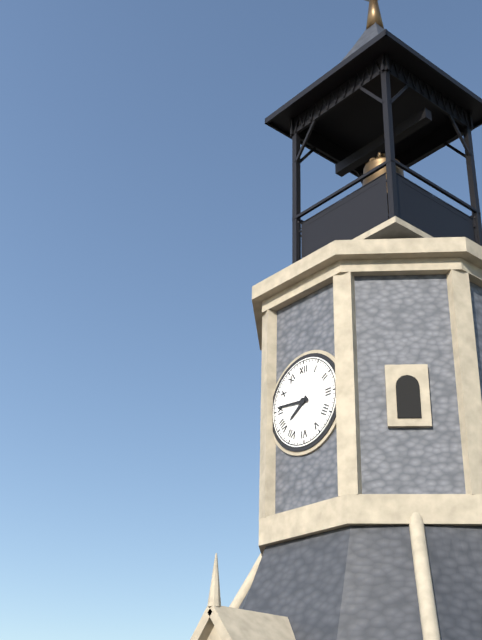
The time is 7:46
